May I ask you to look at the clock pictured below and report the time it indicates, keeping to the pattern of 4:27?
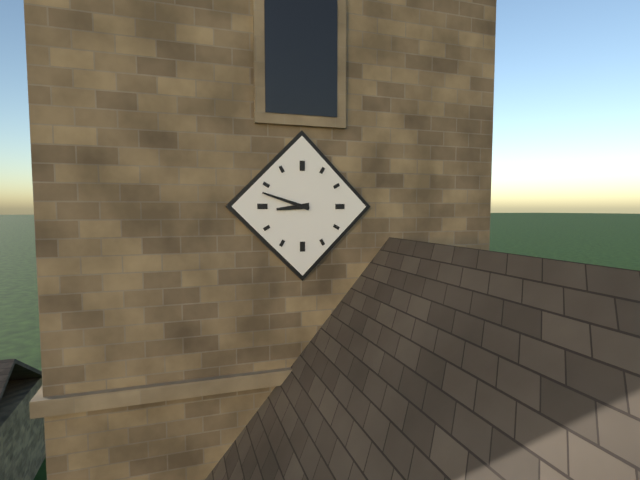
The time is 8:48
